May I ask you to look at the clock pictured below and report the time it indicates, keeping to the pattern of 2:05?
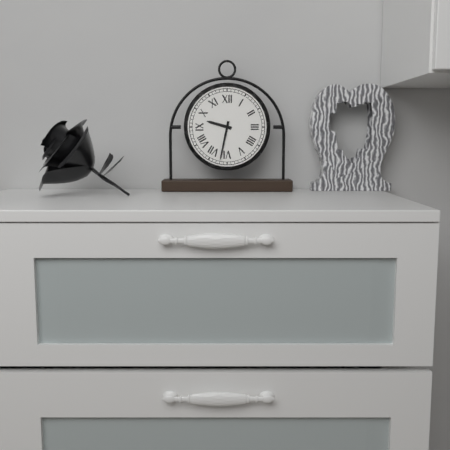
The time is 9:32
